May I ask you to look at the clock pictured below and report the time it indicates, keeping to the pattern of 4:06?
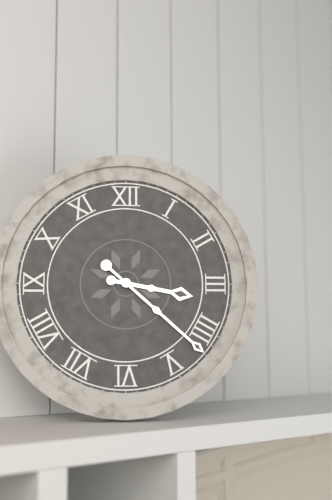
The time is 3:22
